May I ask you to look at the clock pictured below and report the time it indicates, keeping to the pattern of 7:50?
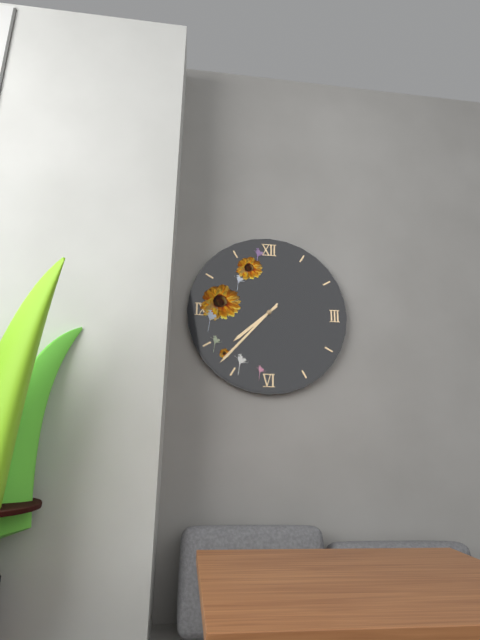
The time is 7:37
